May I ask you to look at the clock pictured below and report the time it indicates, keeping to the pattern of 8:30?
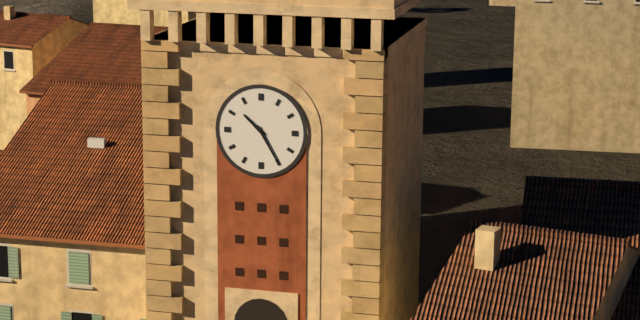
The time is 10:25
